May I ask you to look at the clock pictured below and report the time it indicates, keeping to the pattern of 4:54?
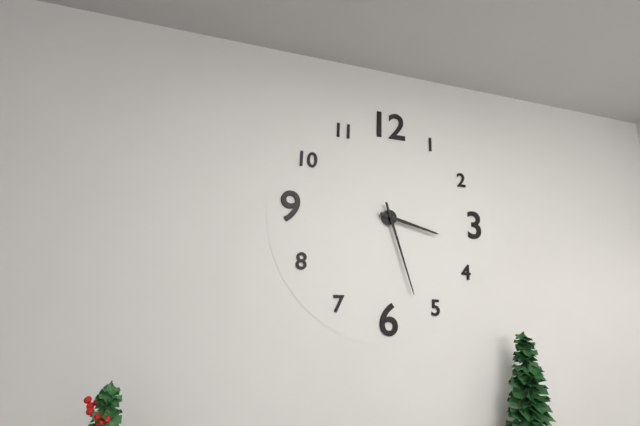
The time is 3:27
